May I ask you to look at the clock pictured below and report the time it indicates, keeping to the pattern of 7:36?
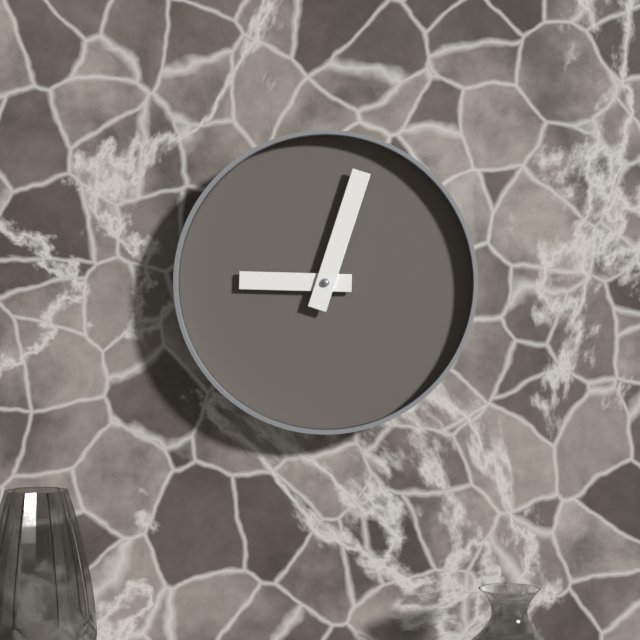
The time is 9:03
